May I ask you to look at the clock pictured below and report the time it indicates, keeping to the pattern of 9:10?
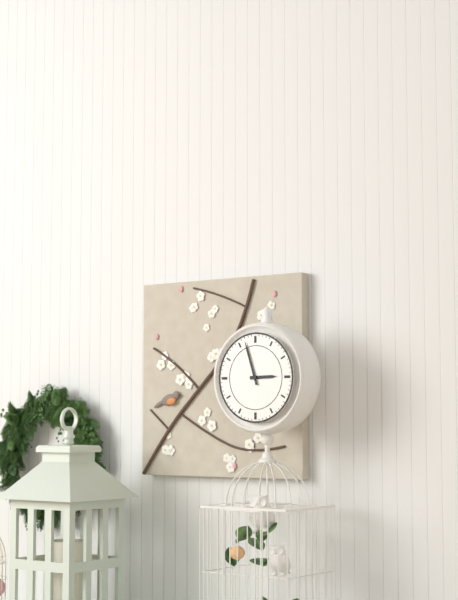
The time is 2:57
